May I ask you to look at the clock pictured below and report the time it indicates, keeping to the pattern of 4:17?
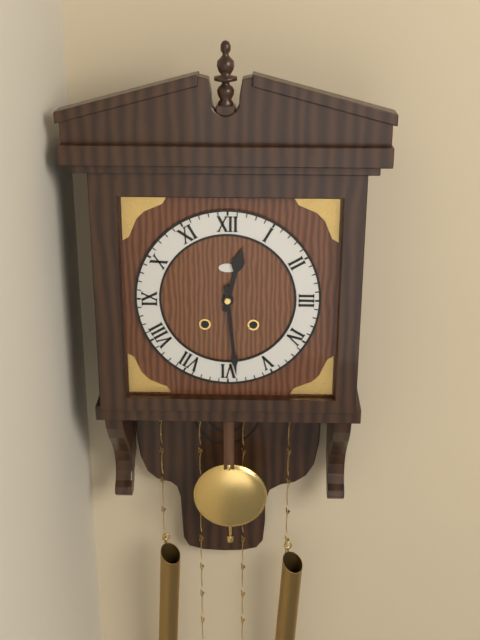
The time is 12:29
